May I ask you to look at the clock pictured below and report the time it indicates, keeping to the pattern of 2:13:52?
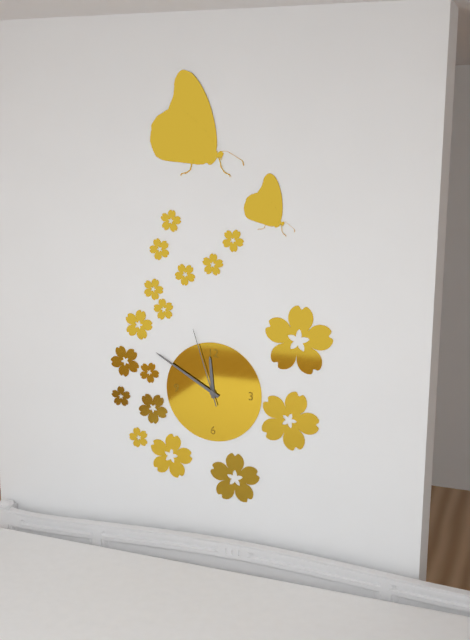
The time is 11:50:57
